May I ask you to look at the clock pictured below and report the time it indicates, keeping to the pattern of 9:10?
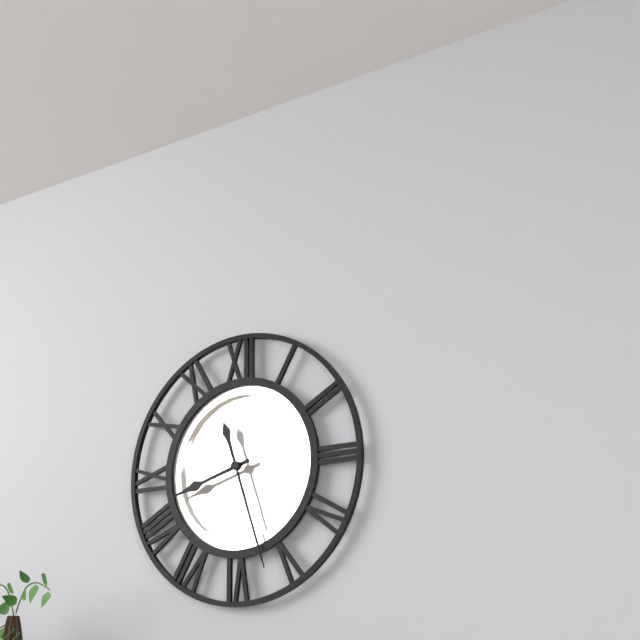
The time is 8:27
